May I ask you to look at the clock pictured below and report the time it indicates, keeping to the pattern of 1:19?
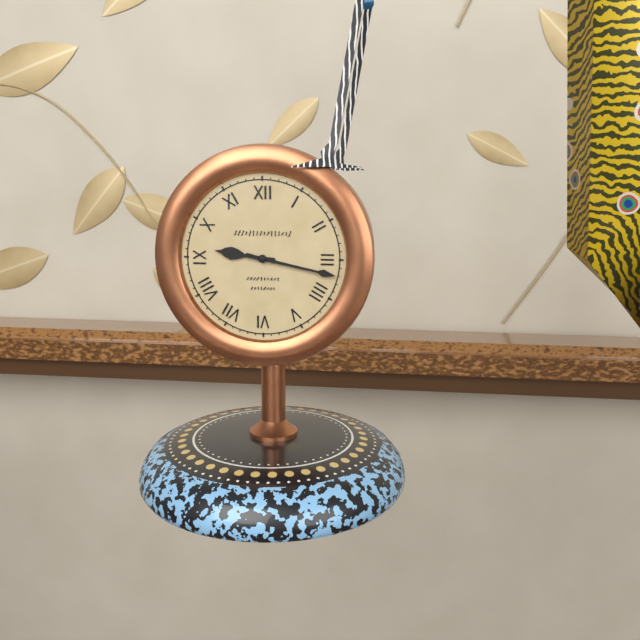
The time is 9:17
